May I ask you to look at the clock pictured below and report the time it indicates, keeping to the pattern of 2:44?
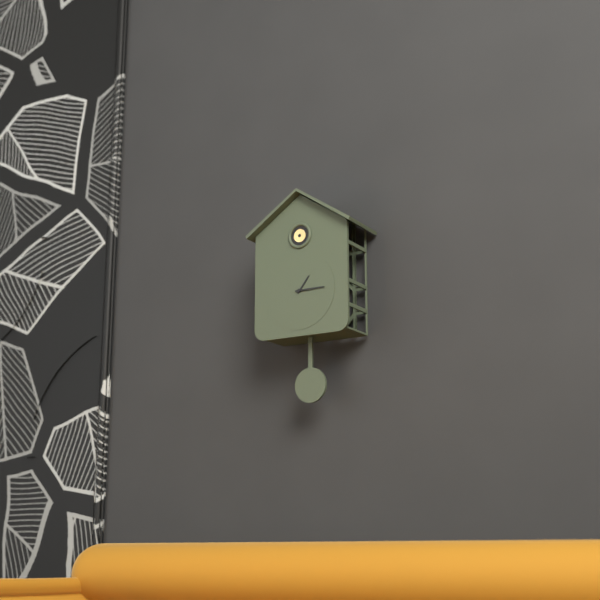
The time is 1:15
